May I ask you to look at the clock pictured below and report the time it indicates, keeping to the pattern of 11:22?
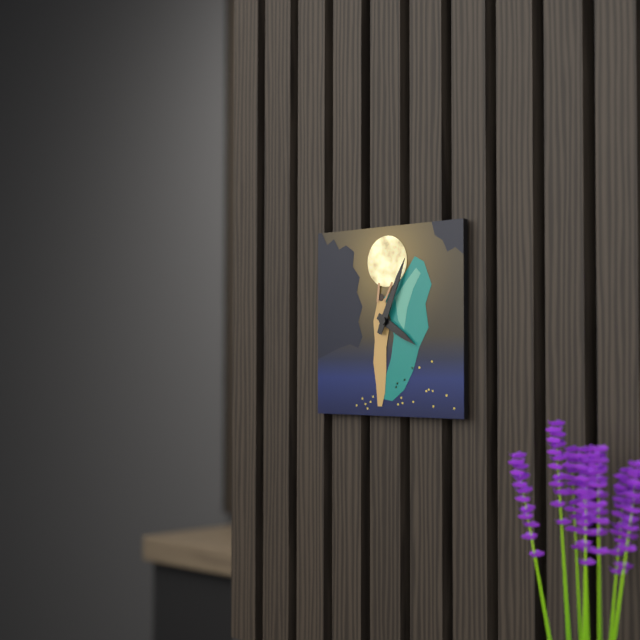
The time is 4:04
